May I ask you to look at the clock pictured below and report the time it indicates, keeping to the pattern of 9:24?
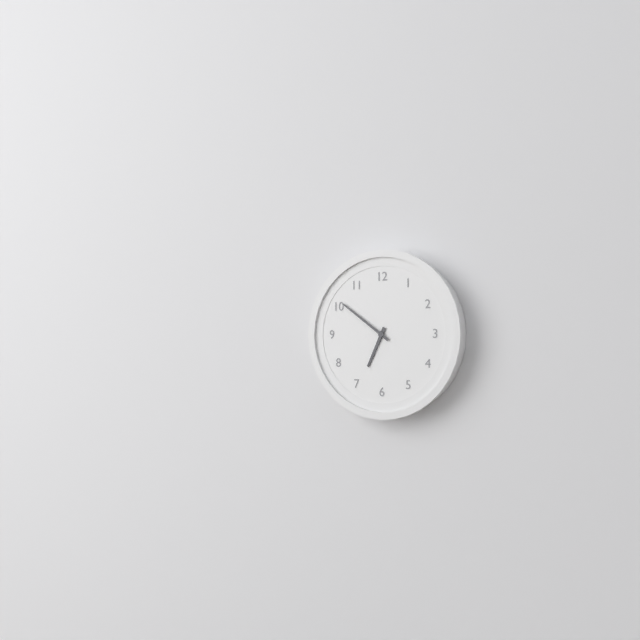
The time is 6:51
